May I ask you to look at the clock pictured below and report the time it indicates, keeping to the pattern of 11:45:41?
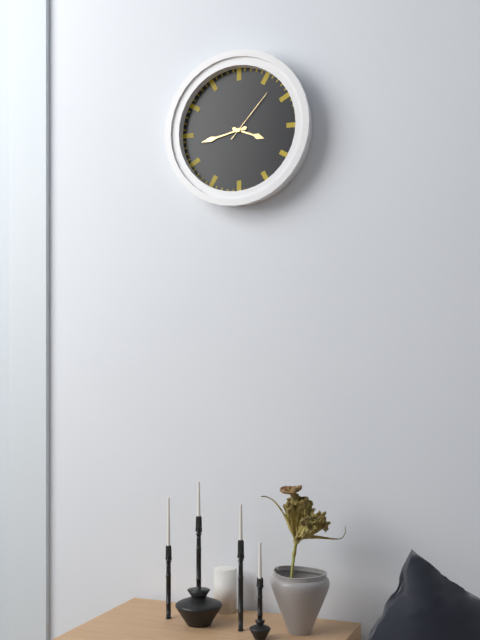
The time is 3:43:07
